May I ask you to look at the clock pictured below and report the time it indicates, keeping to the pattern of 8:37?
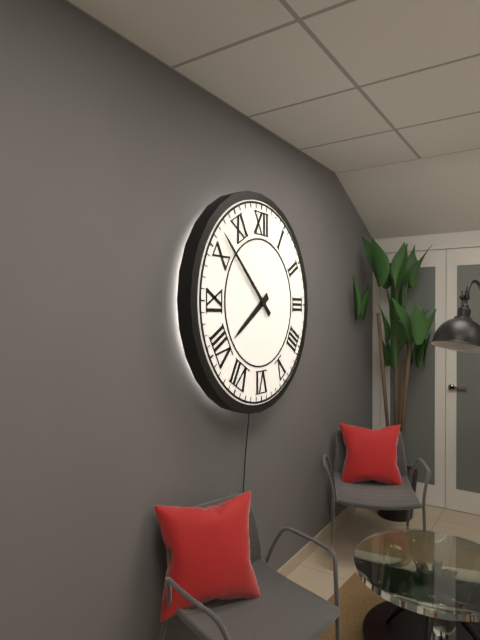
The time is 7:52
